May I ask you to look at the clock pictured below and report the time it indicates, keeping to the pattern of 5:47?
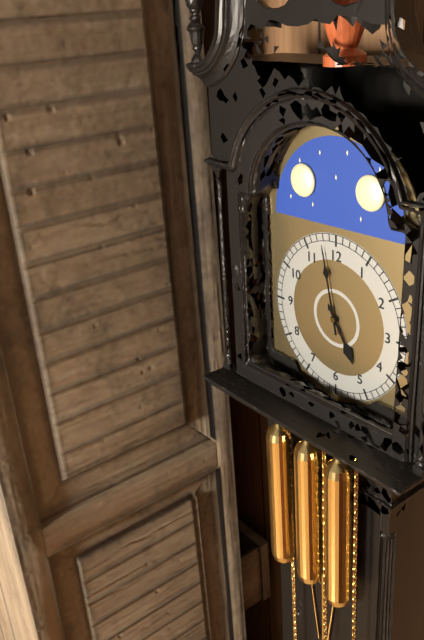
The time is 4:58
